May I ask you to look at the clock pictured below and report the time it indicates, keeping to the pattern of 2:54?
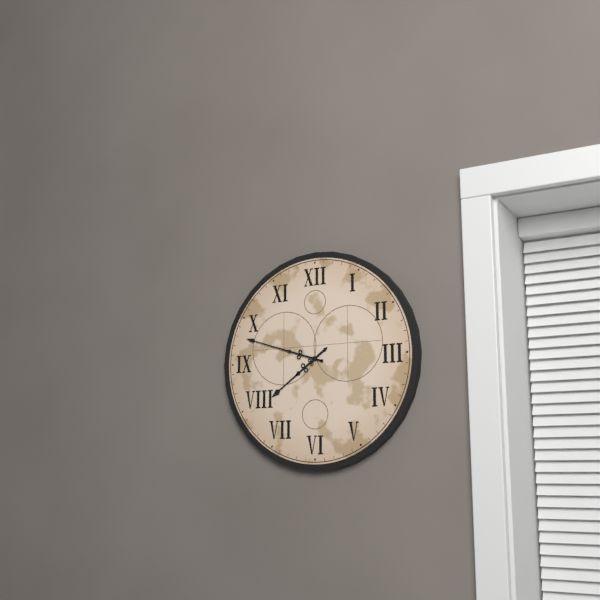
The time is 7:48
